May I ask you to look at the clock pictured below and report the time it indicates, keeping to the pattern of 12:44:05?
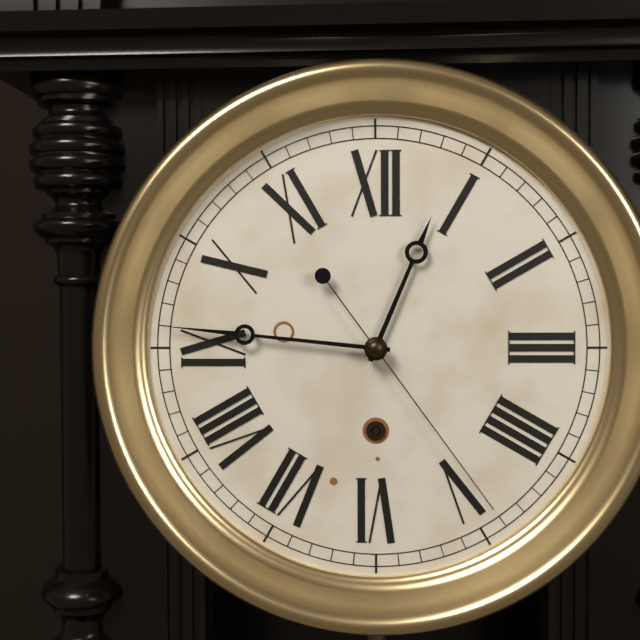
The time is 12:46:24
